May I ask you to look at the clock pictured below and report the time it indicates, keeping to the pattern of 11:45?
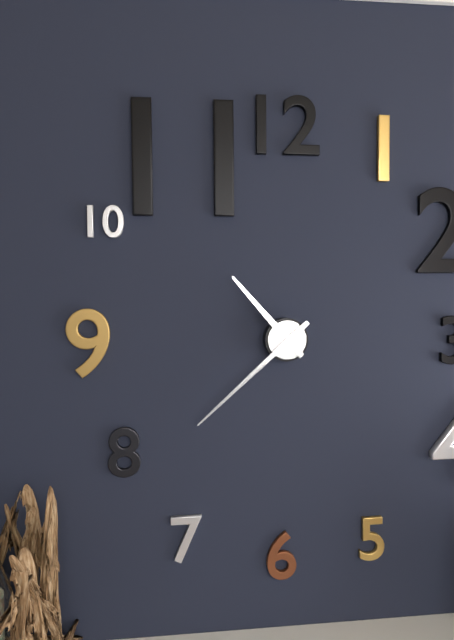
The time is 10:38
